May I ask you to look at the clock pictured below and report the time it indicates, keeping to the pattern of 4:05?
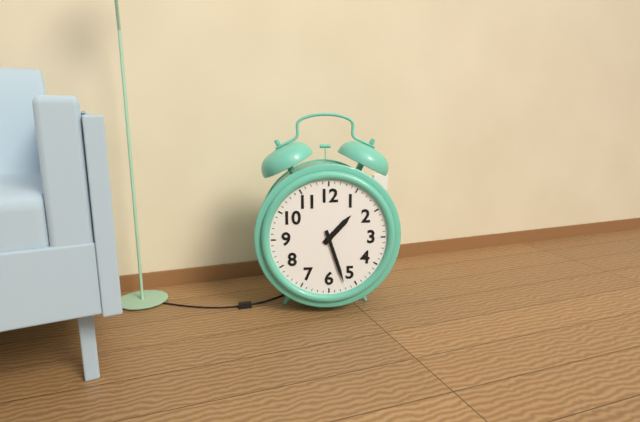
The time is 1:27
